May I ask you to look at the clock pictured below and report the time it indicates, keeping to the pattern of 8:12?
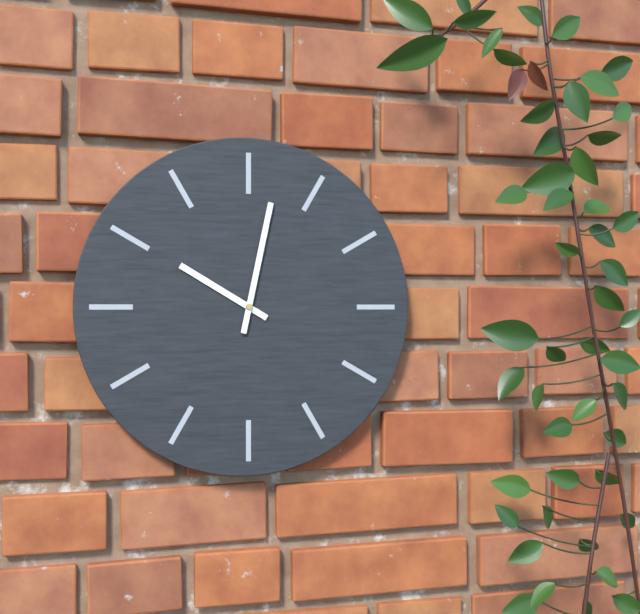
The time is 10:02
